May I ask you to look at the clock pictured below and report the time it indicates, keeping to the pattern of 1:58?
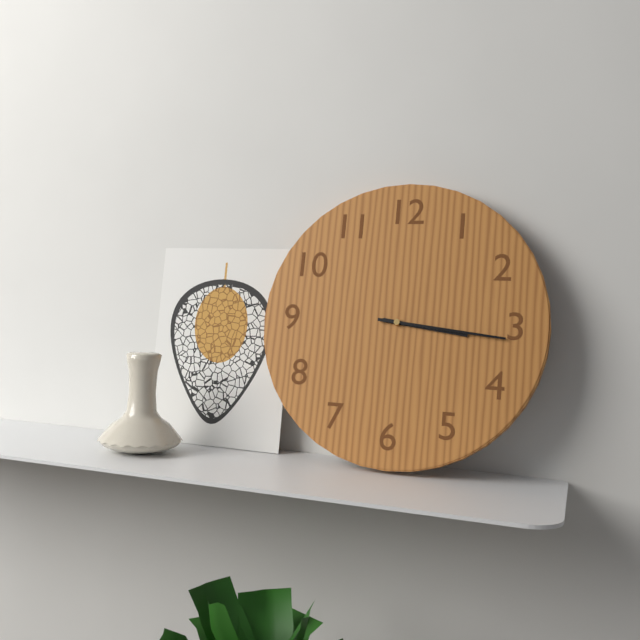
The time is 3:16
